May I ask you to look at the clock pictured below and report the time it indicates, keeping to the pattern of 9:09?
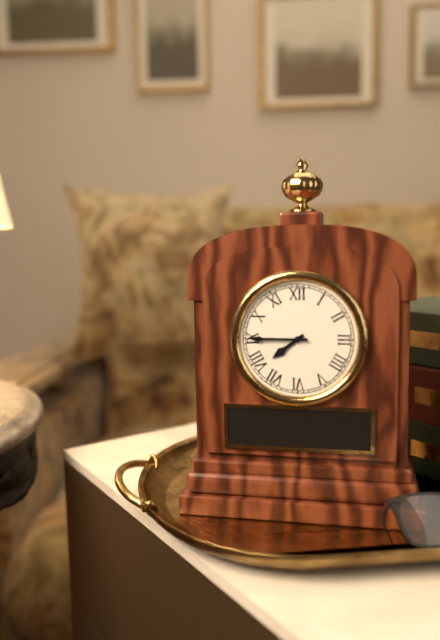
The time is 7:45
